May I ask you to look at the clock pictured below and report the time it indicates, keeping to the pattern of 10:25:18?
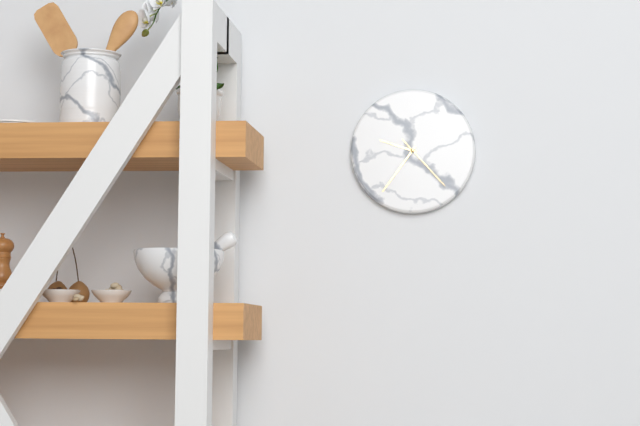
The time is 9:36:23
